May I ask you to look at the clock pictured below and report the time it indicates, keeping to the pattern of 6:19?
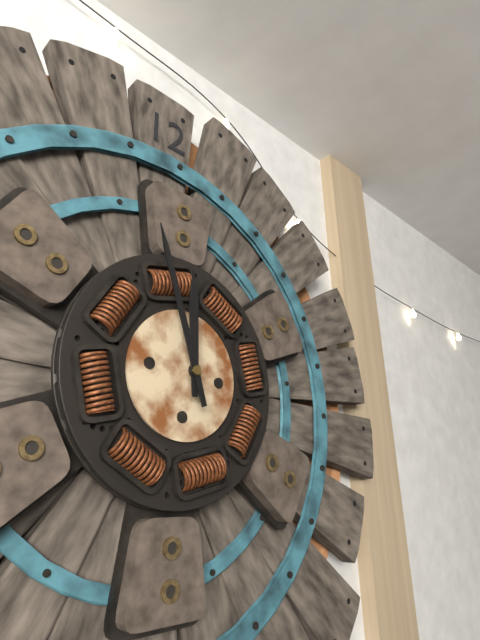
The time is 11:57
